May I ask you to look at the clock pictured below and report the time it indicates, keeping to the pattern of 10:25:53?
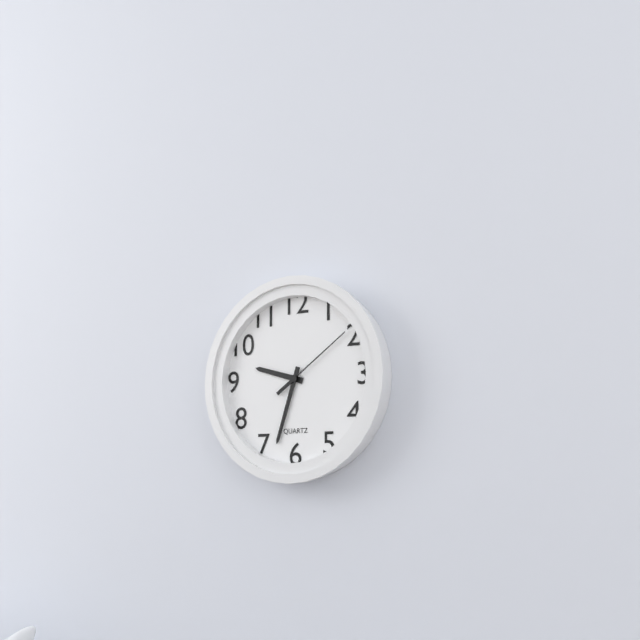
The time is 9:33:09
